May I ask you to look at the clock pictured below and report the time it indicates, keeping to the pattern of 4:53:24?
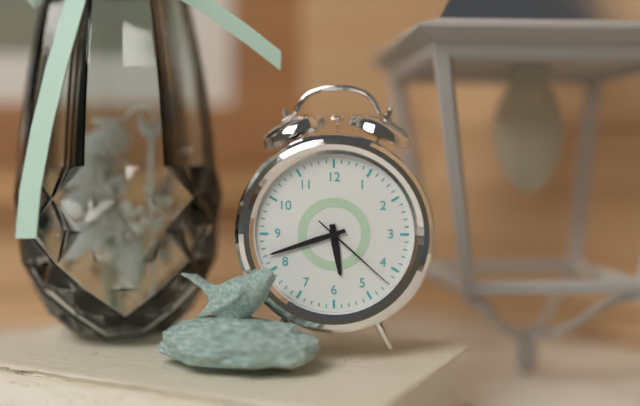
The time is 5:42:22
